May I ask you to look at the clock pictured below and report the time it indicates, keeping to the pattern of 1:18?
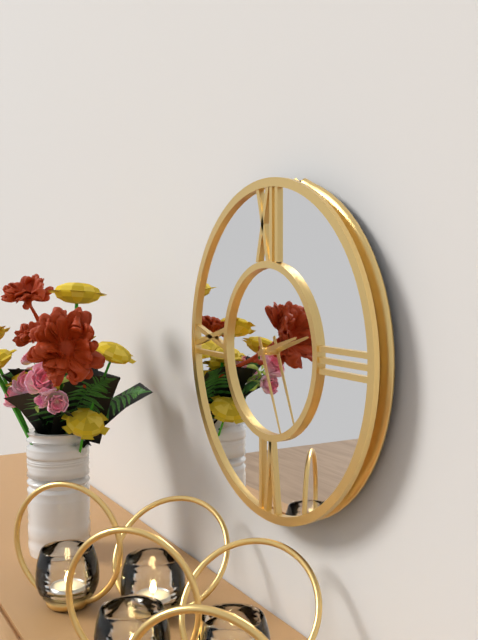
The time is 2:26
